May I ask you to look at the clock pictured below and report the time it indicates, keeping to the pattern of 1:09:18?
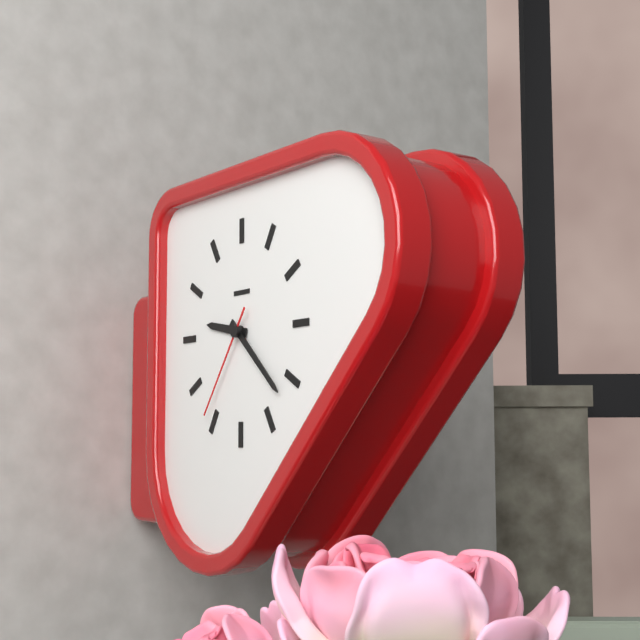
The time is 9:22:36
